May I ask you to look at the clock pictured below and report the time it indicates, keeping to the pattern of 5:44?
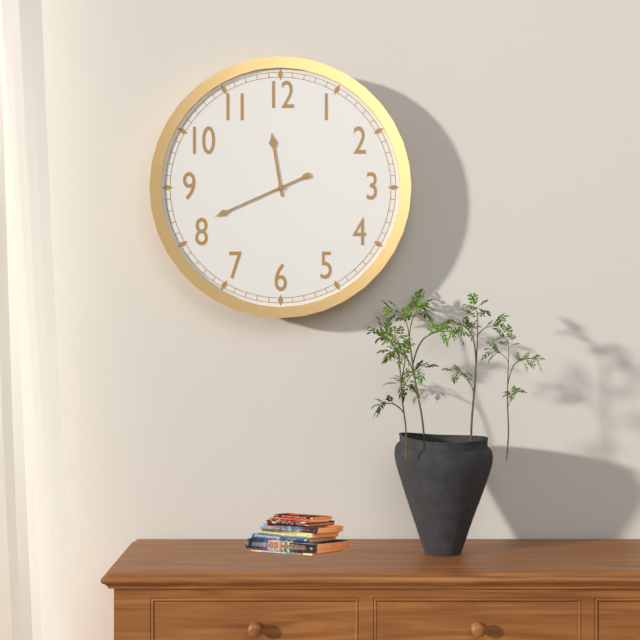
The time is 11:41
